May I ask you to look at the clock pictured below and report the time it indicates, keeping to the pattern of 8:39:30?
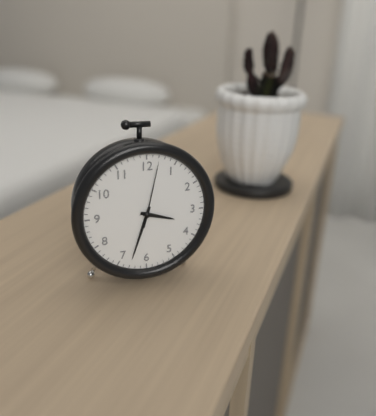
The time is 3:33:02
